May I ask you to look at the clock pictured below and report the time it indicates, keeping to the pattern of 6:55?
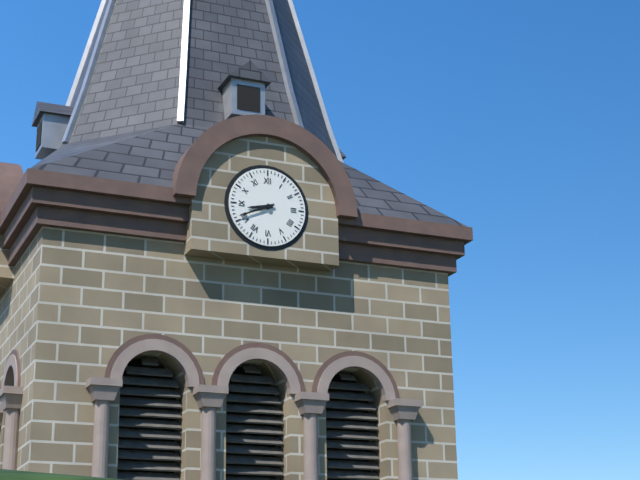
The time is 8:41
